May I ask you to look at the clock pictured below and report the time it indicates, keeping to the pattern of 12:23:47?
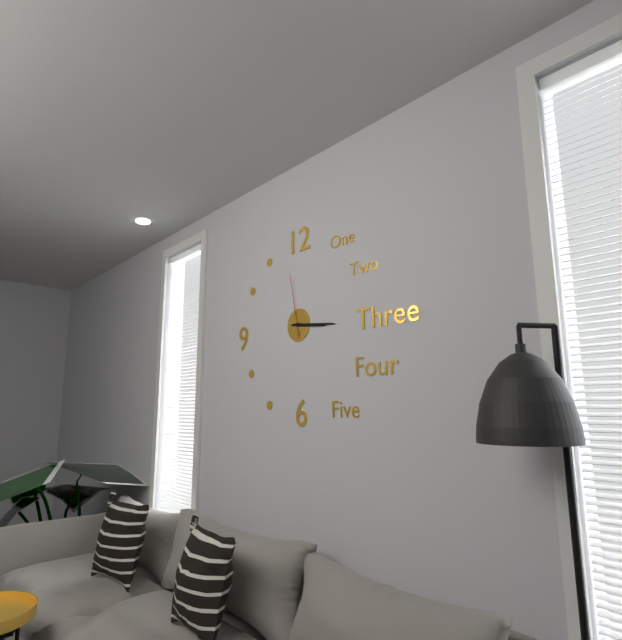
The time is 3:16:58
